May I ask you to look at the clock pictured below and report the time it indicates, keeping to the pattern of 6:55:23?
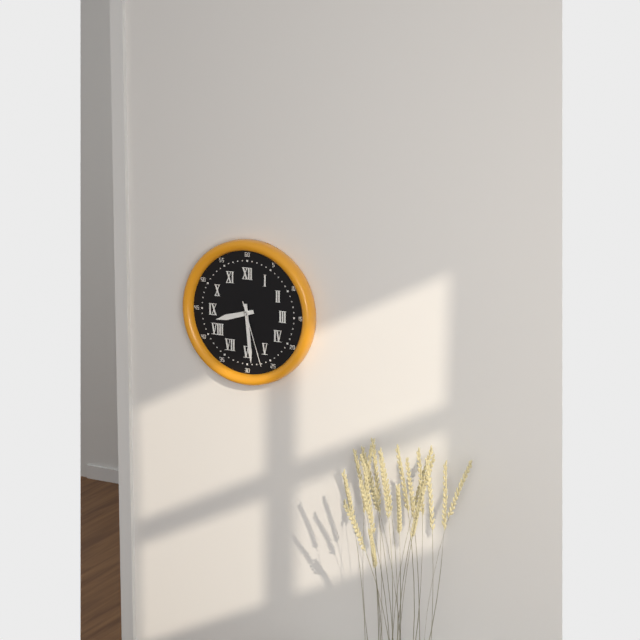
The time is 8:29:27
